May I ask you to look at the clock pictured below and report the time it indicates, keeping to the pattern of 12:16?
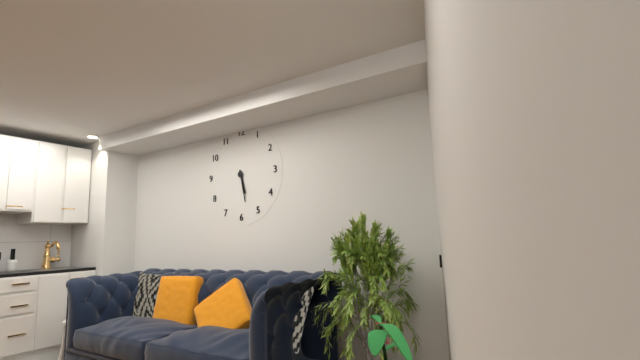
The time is 5:28
